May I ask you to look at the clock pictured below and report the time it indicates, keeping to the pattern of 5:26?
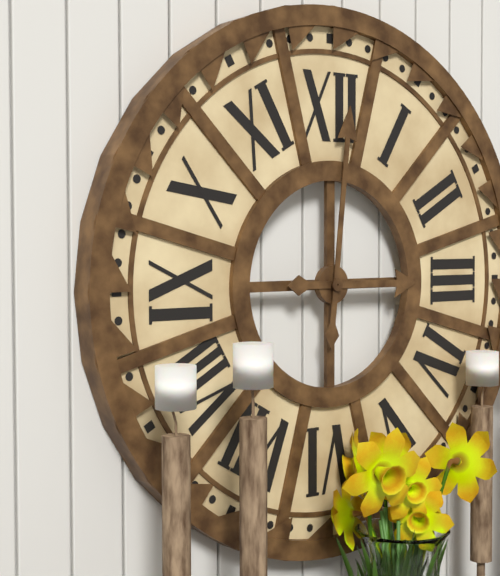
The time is 3:01
